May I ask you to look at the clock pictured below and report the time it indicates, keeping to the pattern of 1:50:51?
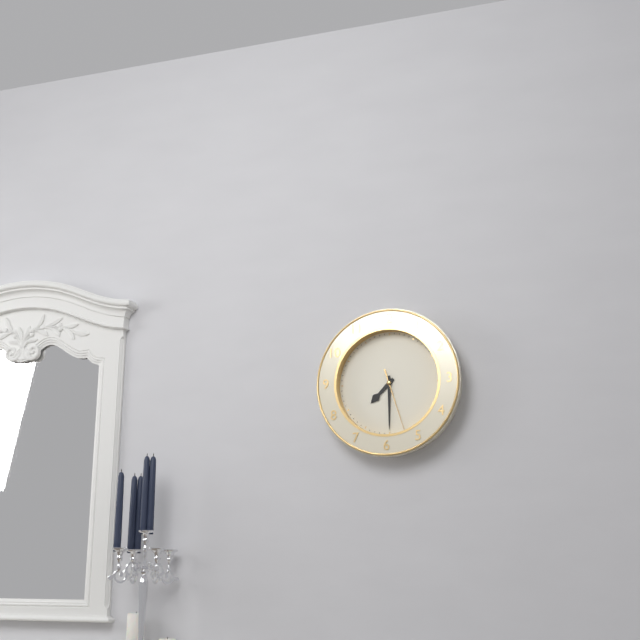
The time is 7:30:27
